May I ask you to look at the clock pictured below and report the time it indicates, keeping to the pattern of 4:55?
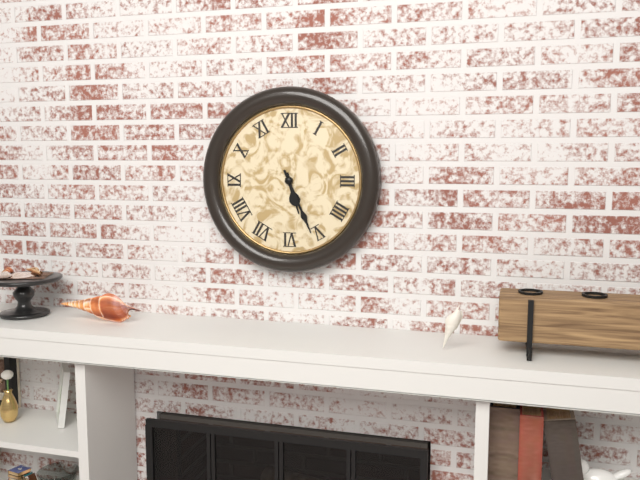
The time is 5:26
